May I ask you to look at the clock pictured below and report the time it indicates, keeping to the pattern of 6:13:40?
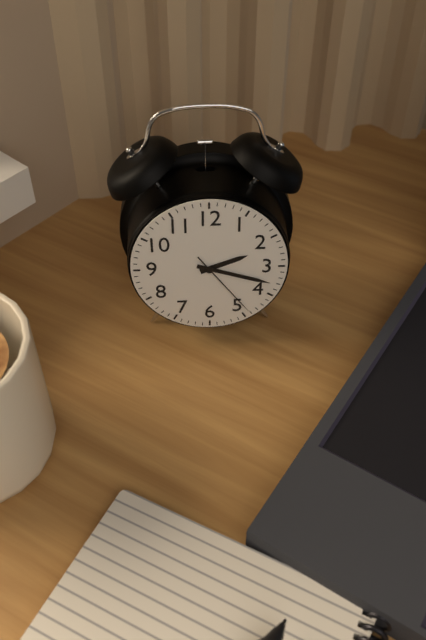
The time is 2:18:24
